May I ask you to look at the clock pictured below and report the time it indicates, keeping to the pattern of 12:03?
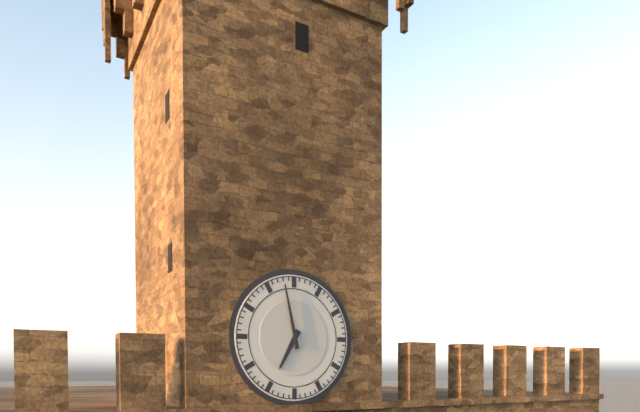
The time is 6:58
